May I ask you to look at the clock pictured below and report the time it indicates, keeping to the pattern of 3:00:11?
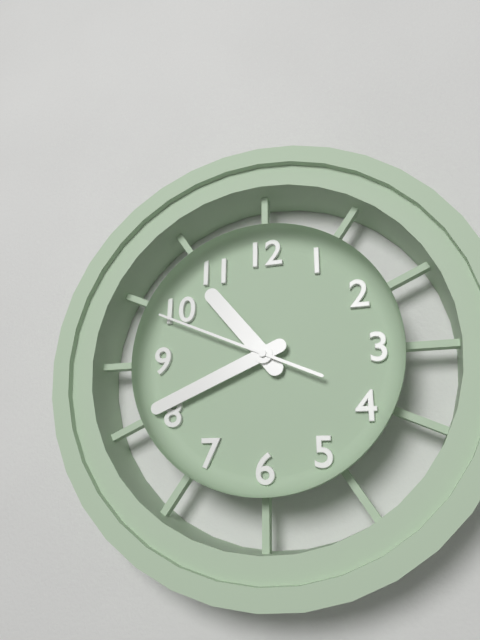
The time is 10:41:49
